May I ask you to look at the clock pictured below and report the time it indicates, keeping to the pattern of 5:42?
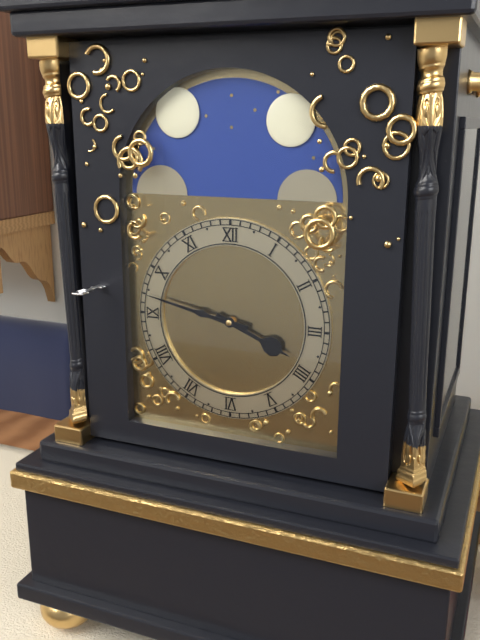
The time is 3:47
